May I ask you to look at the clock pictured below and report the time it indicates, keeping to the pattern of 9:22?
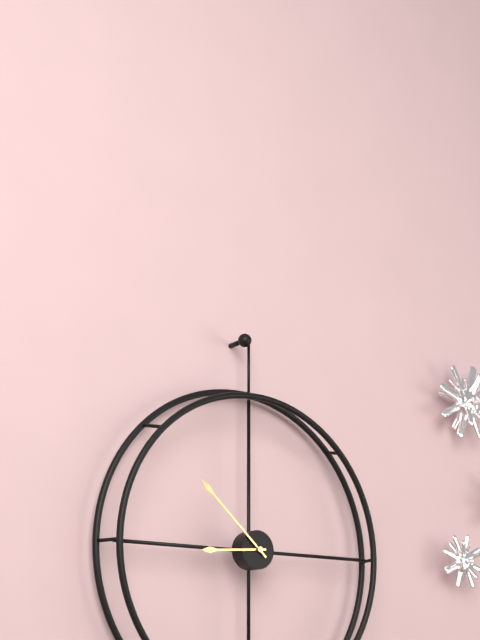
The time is 8:52
